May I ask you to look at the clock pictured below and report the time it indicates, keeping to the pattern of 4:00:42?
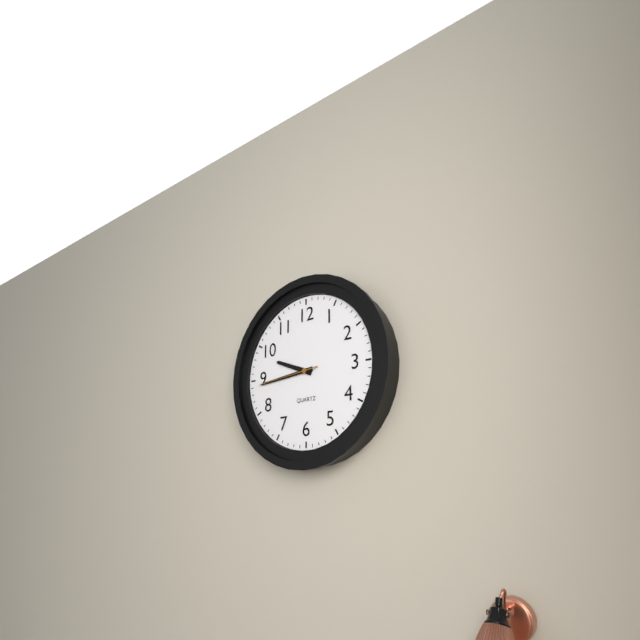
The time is 9:44:44
